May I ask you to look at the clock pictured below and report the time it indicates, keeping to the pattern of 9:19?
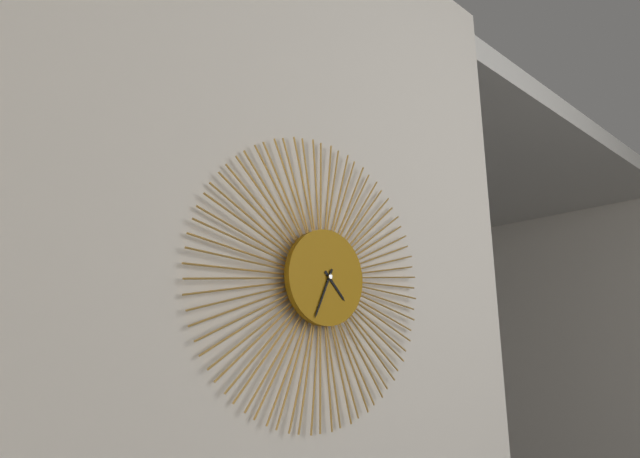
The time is 4:34
